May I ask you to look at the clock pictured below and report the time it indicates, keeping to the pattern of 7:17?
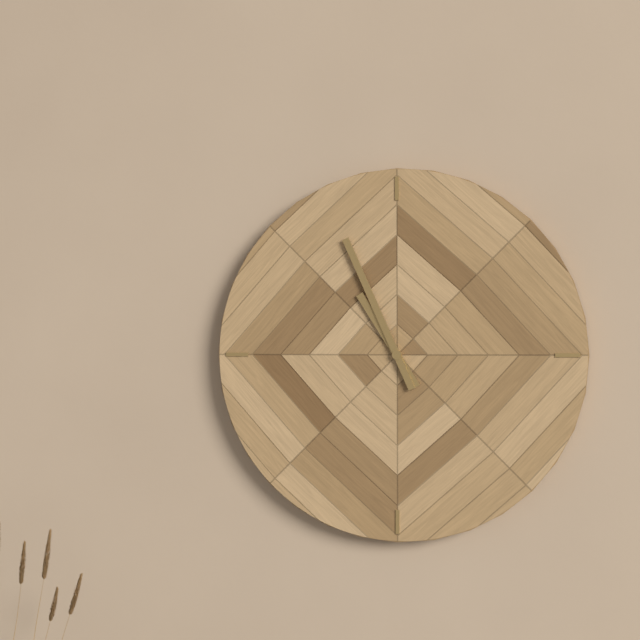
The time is 10:56
